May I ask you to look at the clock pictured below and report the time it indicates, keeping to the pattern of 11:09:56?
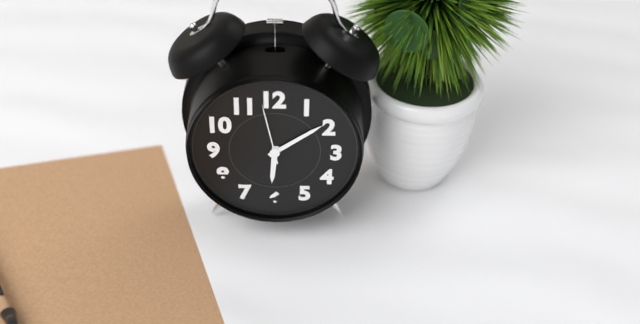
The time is 6:09:58
